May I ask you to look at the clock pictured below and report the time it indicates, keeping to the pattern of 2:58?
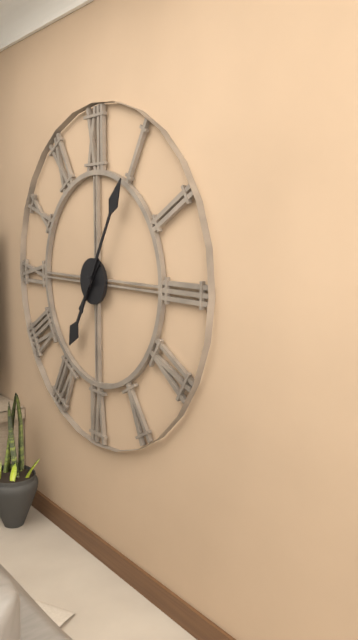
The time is 7:05
